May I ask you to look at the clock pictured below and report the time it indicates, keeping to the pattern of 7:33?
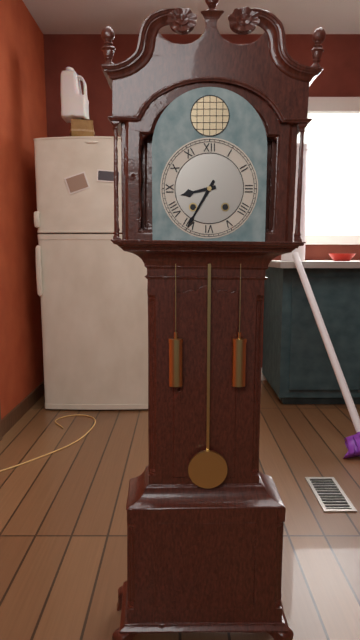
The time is 8:35
